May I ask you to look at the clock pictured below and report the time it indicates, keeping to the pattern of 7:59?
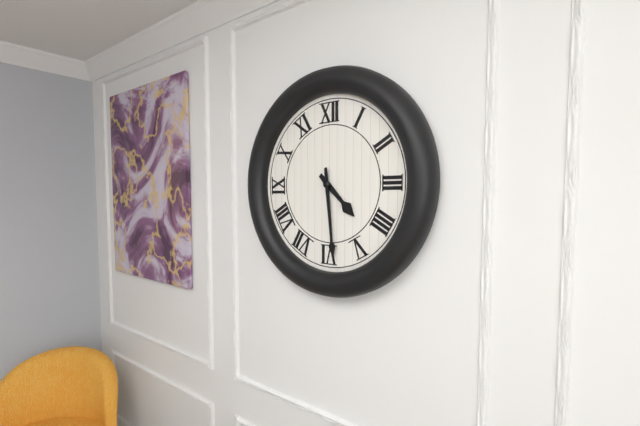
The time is 4:29
